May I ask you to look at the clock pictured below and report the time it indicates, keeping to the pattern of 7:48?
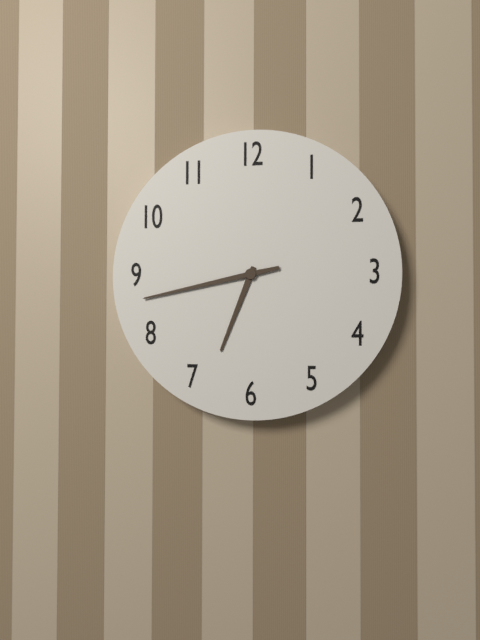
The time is 6:43
